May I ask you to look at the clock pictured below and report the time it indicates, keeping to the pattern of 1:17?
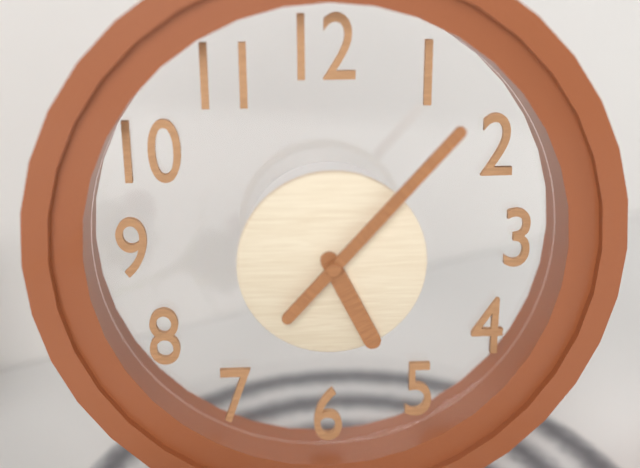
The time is 5:07
